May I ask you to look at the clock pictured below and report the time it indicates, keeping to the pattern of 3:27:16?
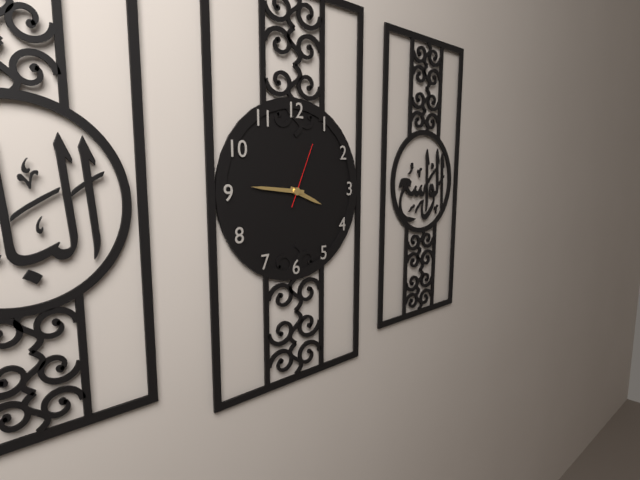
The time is 3:46:04
